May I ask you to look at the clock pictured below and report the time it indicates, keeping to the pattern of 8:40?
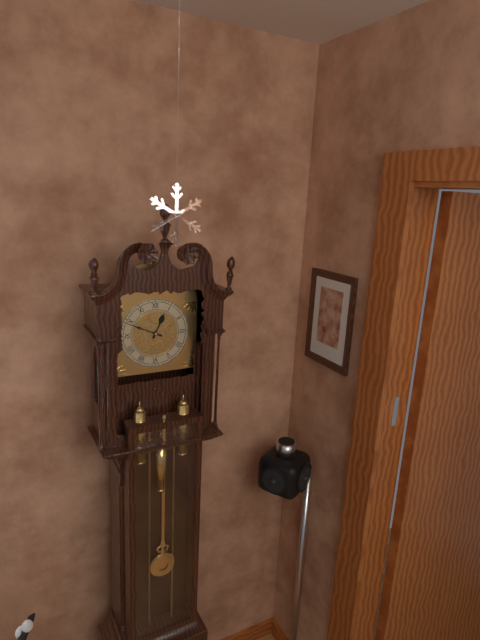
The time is 12:49
